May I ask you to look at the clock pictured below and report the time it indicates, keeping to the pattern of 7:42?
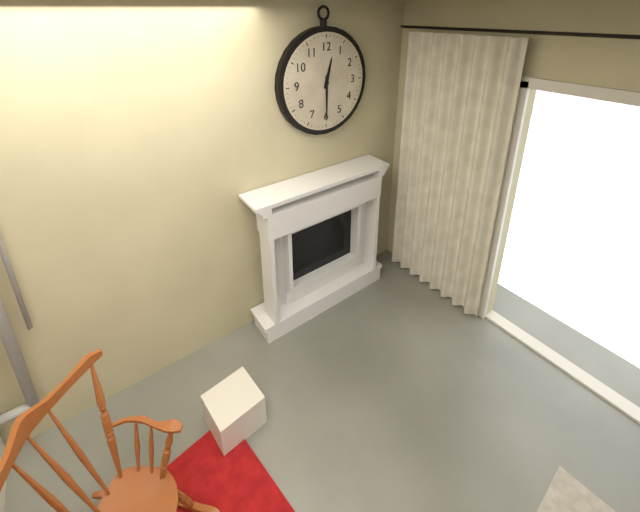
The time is 12:30
